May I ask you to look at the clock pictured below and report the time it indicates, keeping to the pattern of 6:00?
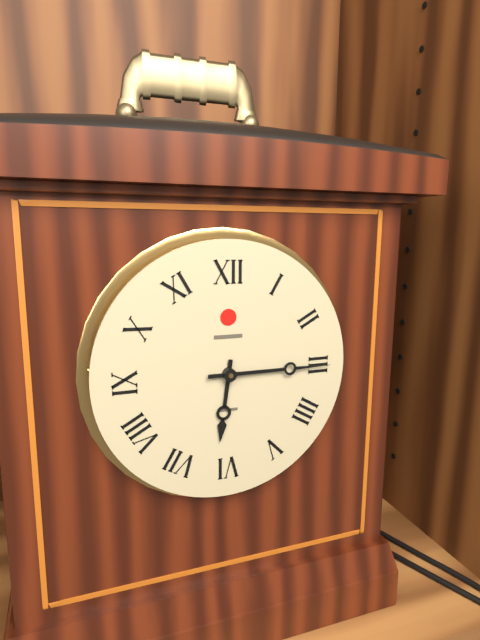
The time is 6:15
